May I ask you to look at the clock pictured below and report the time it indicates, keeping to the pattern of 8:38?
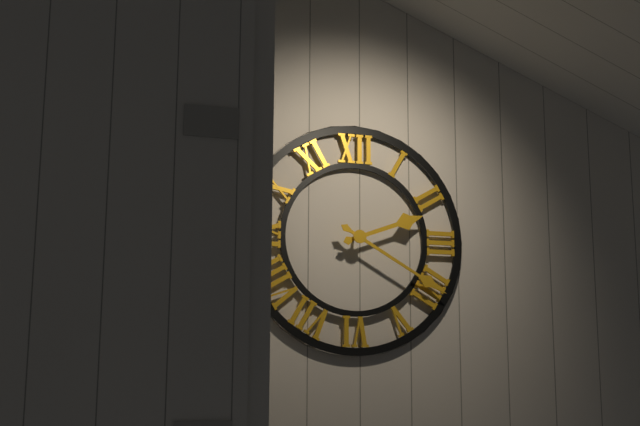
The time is 2:20
